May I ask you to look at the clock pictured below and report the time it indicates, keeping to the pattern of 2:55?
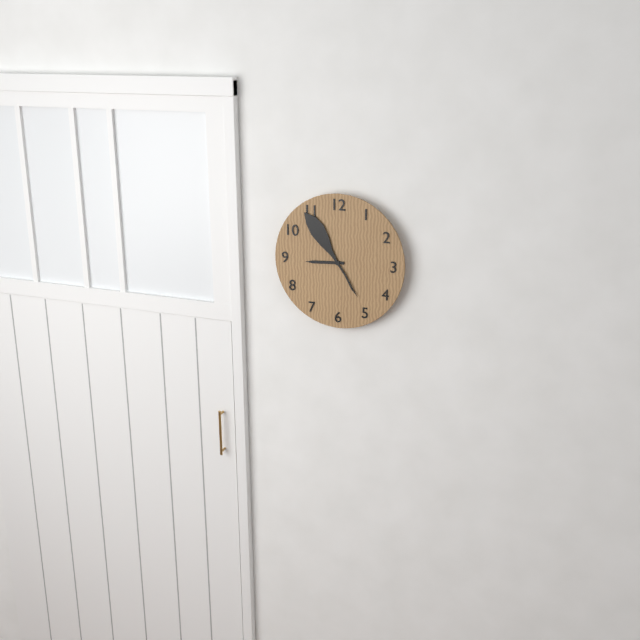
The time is 8:54
